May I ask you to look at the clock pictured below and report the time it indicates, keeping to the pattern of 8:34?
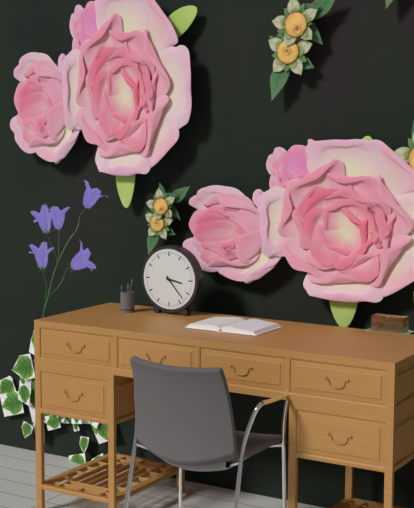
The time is 3:23
